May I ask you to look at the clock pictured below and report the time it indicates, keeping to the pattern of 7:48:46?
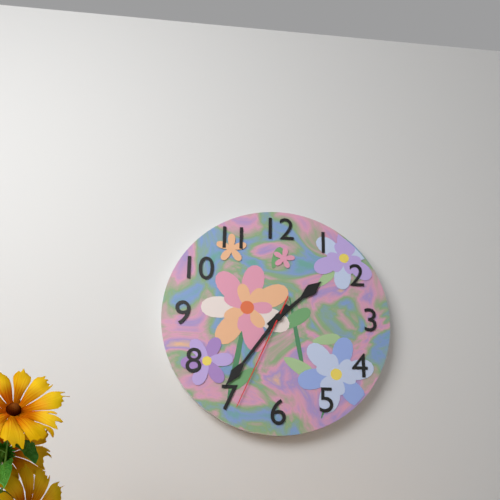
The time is 1:36:34
